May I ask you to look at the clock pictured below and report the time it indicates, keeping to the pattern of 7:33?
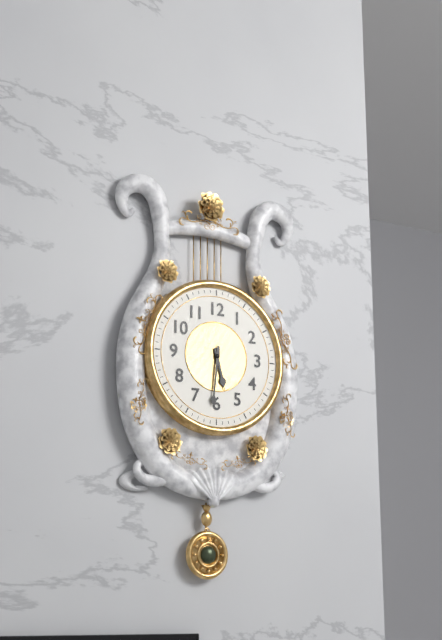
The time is 5:31
